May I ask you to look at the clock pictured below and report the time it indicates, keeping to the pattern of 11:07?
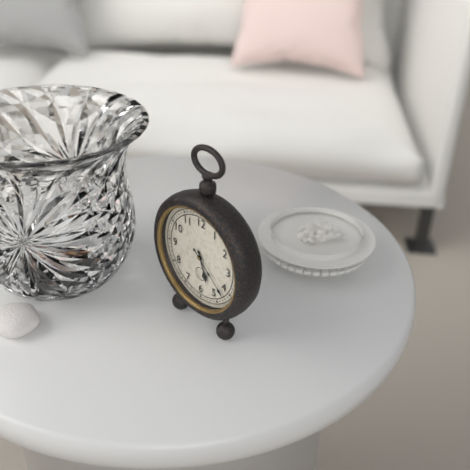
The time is 5:22
